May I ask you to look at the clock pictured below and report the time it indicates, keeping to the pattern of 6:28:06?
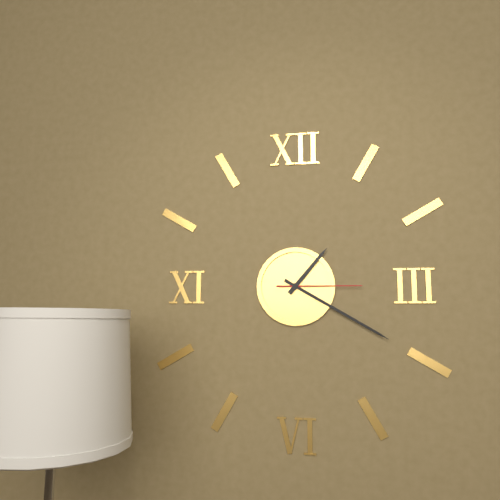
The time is 1:20:15
